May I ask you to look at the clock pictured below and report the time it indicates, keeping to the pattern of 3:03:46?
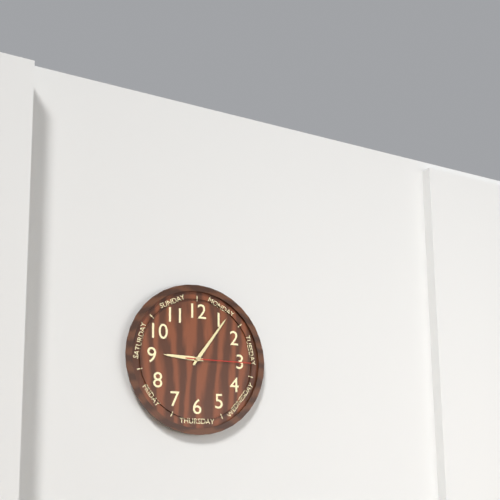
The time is 9:06:15
